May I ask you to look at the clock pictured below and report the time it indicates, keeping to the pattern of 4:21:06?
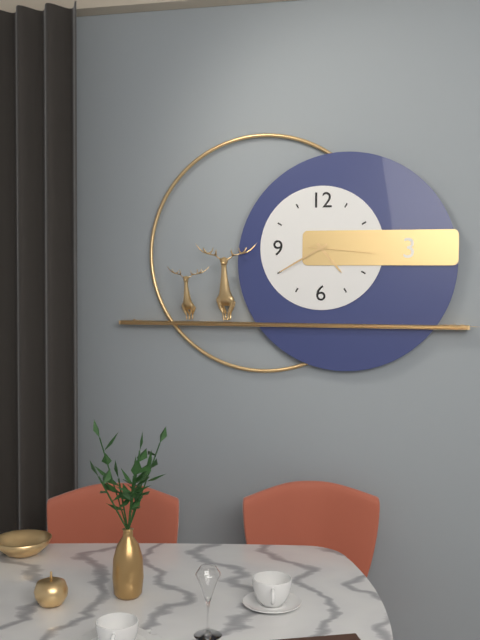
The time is 4:40:16
